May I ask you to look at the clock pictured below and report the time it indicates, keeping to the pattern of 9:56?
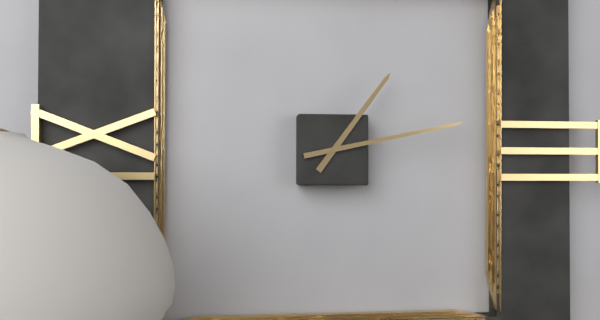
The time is 1:13
